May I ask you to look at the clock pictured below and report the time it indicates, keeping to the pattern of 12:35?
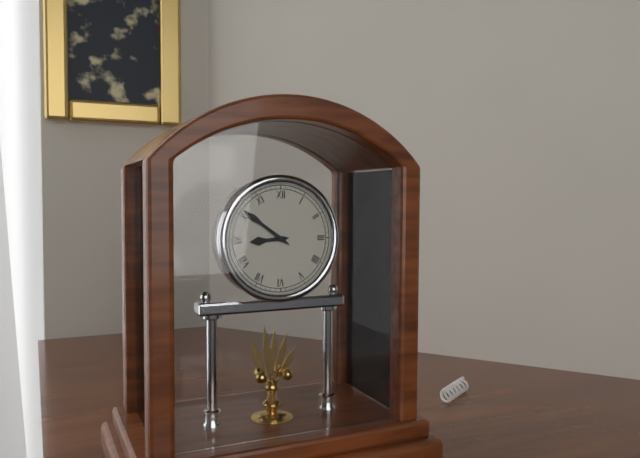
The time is 8:51
